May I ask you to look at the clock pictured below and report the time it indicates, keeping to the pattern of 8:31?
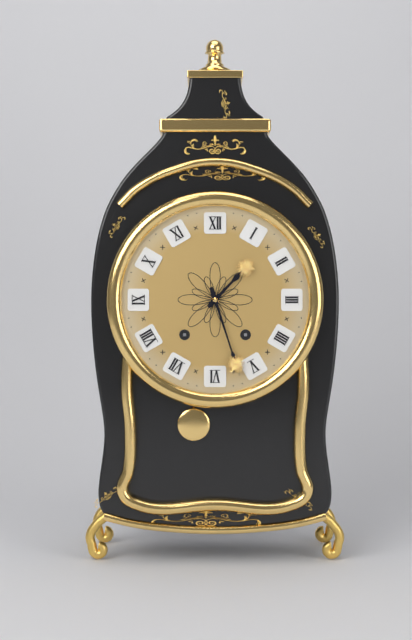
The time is 1:27
